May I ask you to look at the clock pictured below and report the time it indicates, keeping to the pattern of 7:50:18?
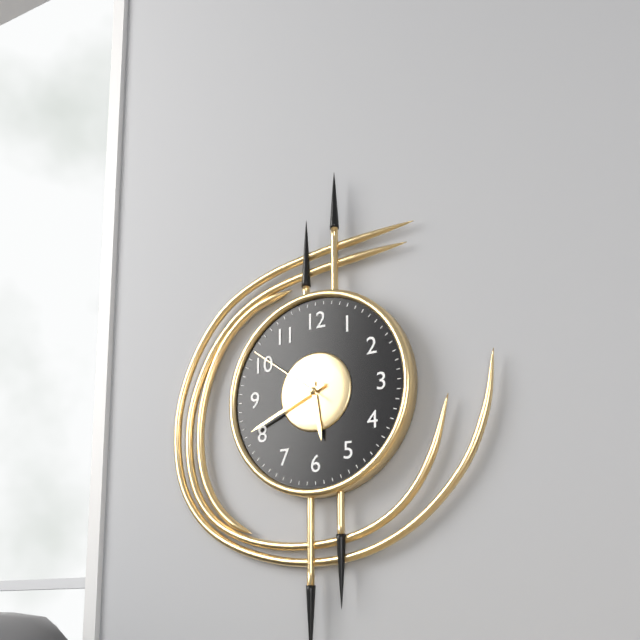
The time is 5:41:51
